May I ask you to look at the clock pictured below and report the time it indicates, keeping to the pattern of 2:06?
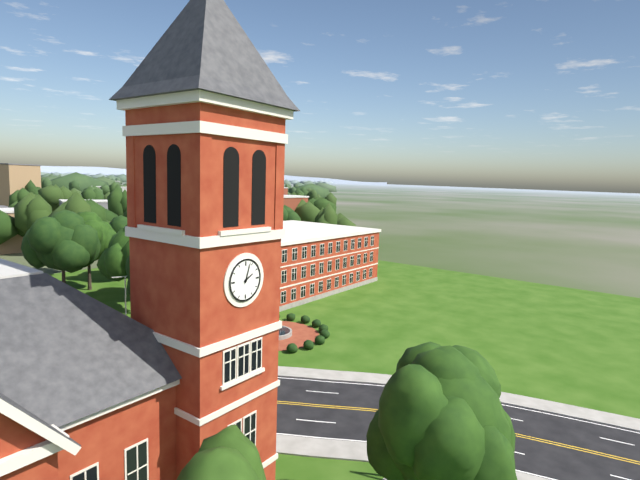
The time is 2:03
